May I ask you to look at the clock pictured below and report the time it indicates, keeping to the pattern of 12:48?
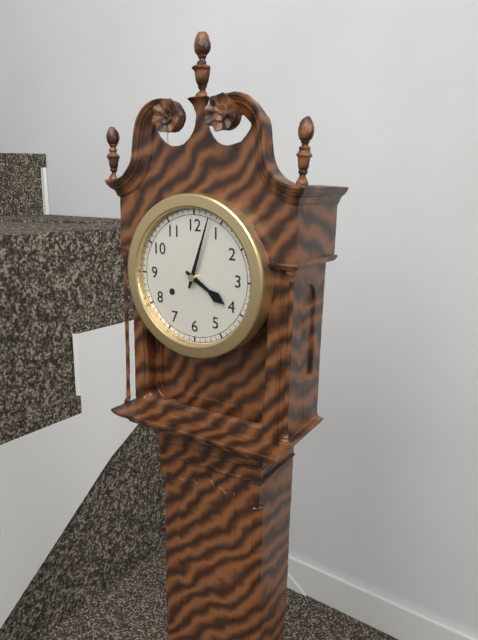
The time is 4:03
